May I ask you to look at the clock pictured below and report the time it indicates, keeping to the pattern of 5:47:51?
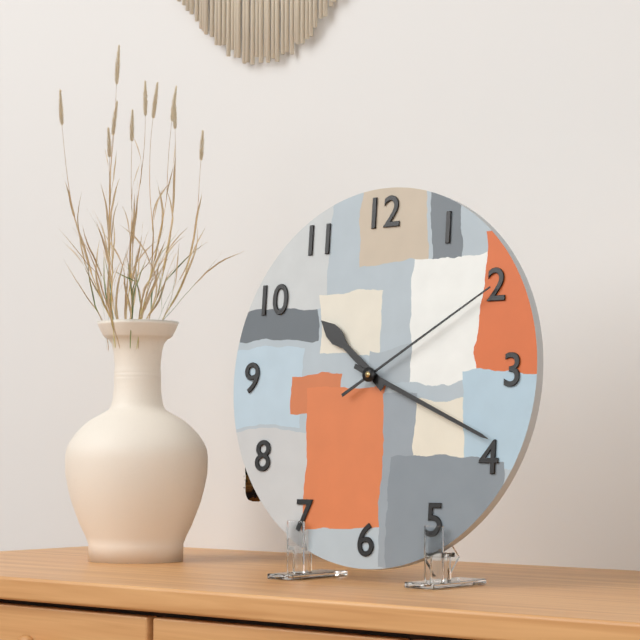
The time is 10:19:10
